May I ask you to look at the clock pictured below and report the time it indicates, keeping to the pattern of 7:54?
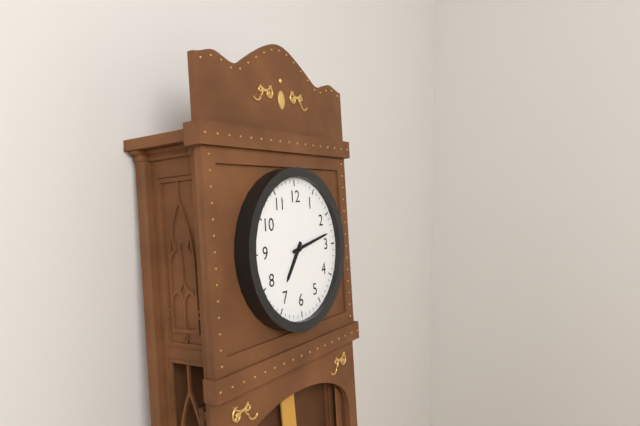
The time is 7:13
